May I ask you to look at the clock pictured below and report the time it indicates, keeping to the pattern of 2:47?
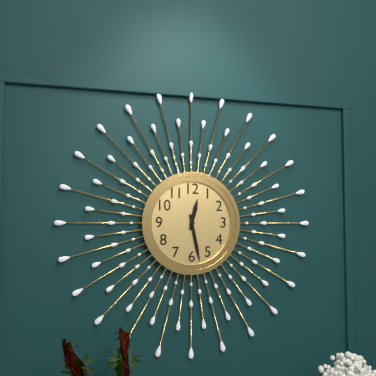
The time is 12:28
